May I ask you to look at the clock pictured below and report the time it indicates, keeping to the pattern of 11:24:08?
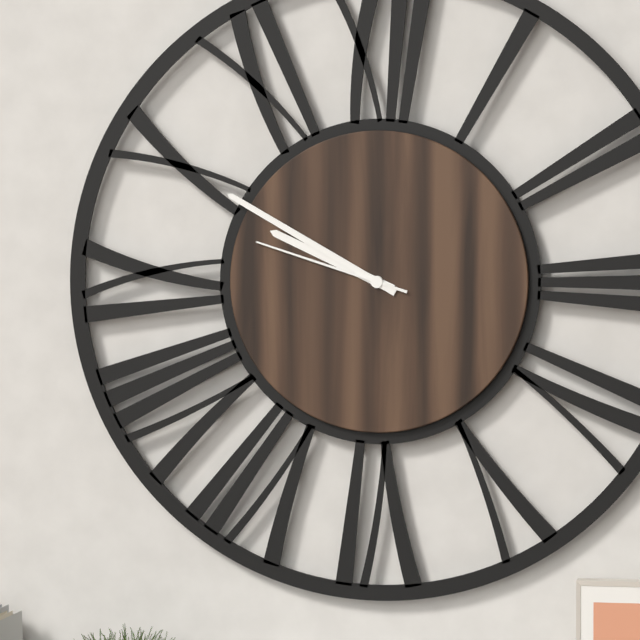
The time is 9:50:48
